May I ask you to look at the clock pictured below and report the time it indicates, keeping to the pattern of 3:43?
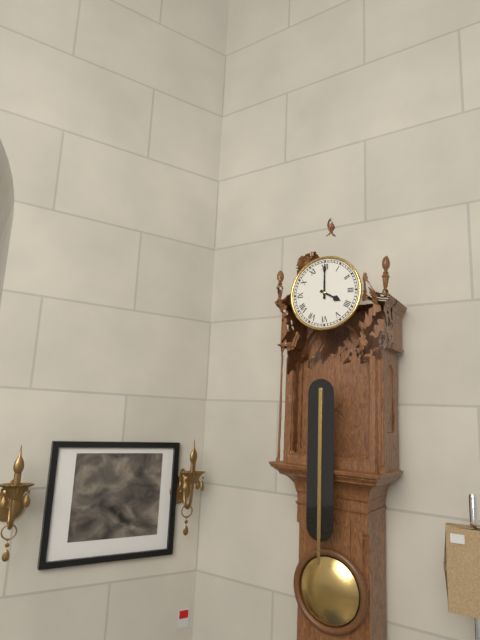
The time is 4:00
